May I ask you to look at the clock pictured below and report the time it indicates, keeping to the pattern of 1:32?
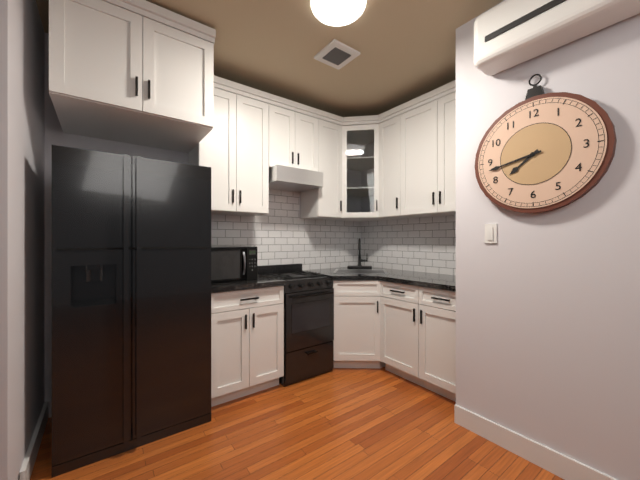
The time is 7:43
